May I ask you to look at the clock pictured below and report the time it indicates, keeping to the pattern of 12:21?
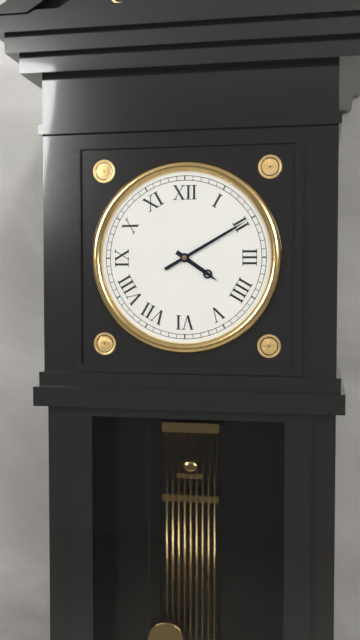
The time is 4:10
